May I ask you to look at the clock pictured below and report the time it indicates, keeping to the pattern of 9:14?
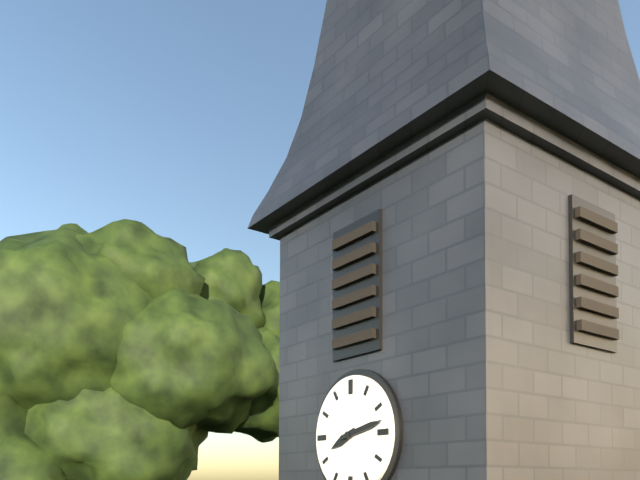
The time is 8:13
